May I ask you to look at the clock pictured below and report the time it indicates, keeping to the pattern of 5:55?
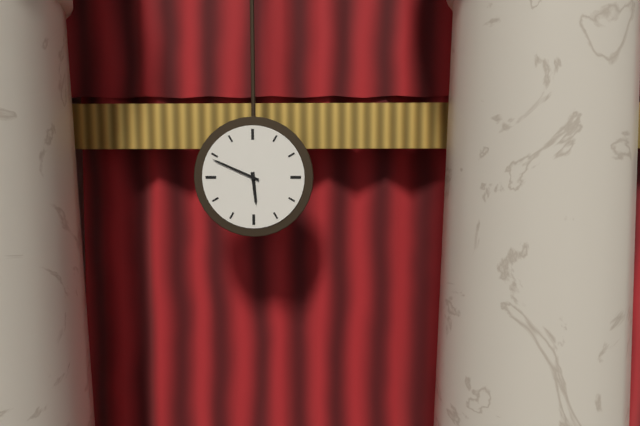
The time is 5:49
